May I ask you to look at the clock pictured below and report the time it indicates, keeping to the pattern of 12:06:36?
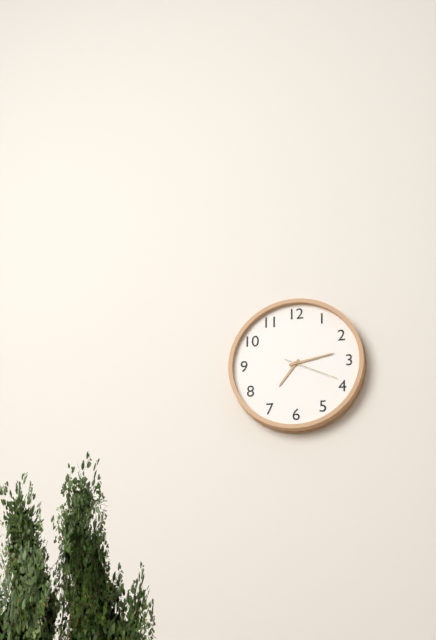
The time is 7:13:19
